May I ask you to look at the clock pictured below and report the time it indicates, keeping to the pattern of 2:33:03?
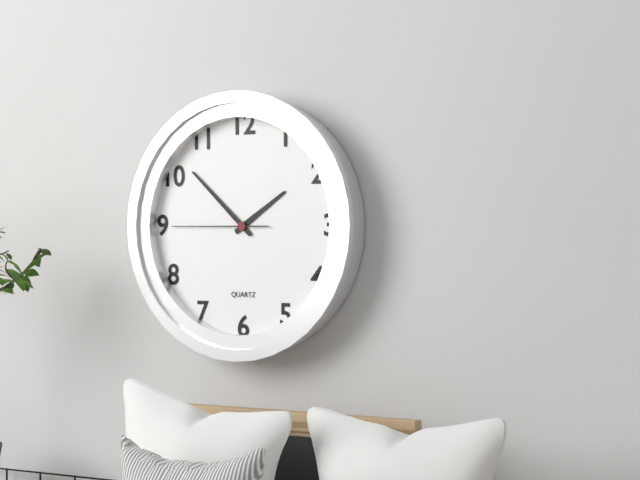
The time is 1:52:45
